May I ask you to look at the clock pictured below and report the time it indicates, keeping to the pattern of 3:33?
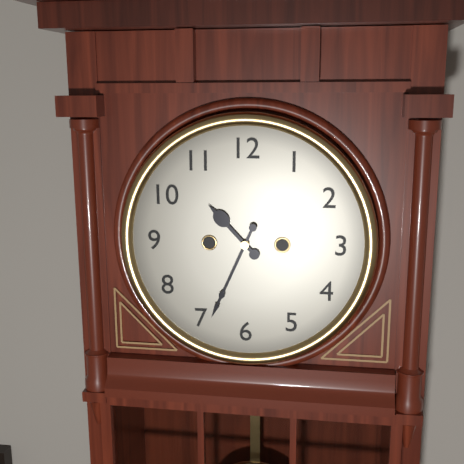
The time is 10:34
